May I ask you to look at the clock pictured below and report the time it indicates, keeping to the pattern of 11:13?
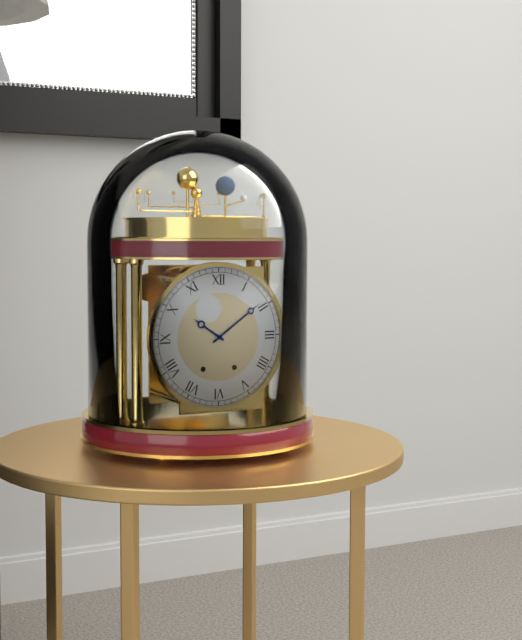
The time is 10:09
